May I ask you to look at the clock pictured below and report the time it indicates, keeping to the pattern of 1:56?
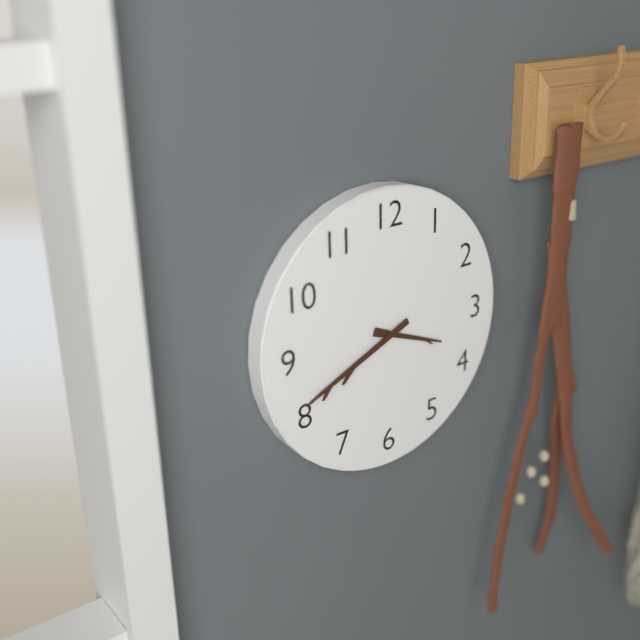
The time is 3:41
